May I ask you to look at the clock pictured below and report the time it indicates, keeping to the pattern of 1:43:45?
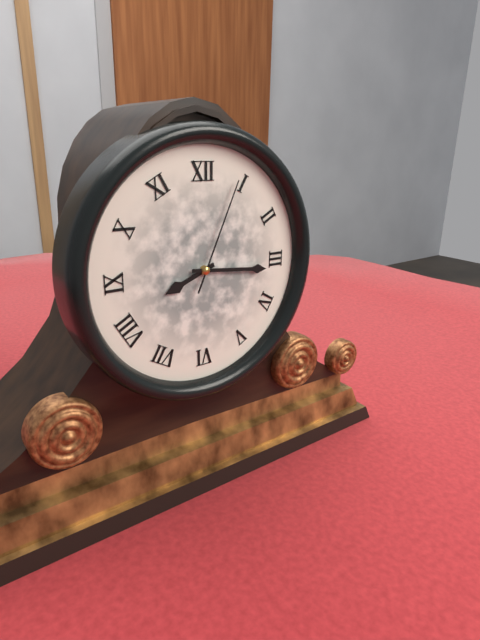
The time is 8:16:04
